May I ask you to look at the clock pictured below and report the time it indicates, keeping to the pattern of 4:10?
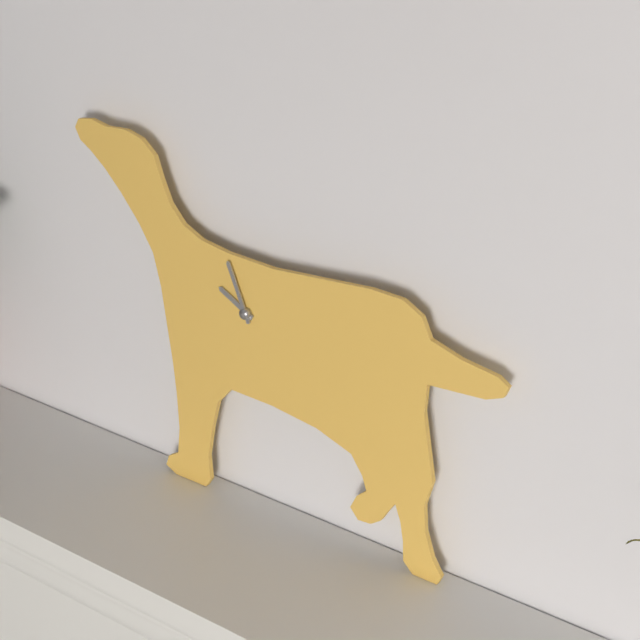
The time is 9:56
